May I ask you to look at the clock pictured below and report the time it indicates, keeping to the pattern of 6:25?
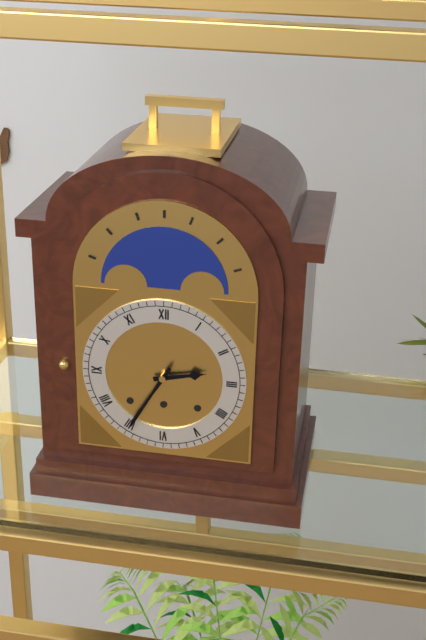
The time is 2:35
